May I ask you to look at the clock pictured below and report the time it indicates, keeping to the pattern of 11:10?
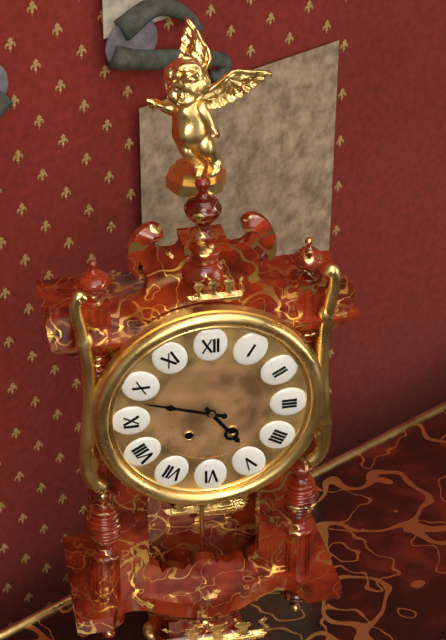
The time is 4:48
